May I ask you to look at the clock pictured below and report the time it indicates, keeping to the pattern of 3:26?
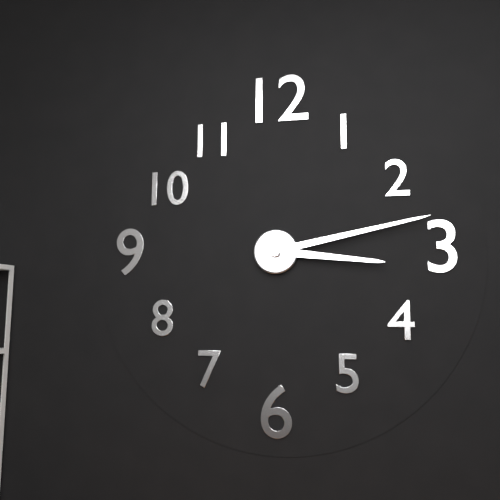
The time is 3:13
